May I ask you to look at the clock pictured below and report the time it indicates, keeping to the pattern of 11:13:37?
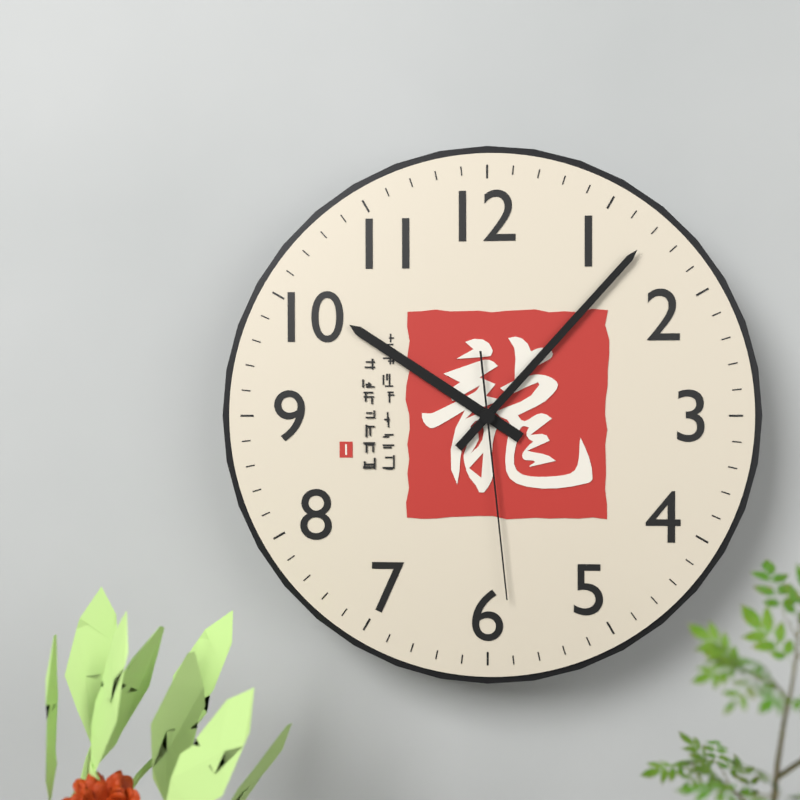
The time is 10:07:29
